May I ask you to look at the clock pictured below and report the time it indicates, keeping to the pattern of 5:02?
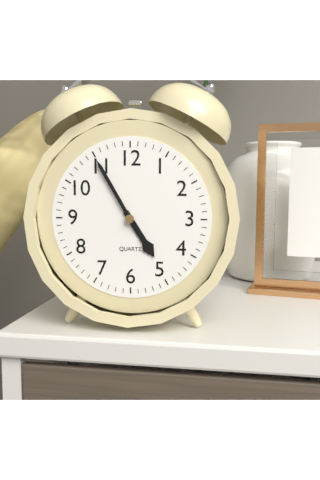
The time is 4:55
